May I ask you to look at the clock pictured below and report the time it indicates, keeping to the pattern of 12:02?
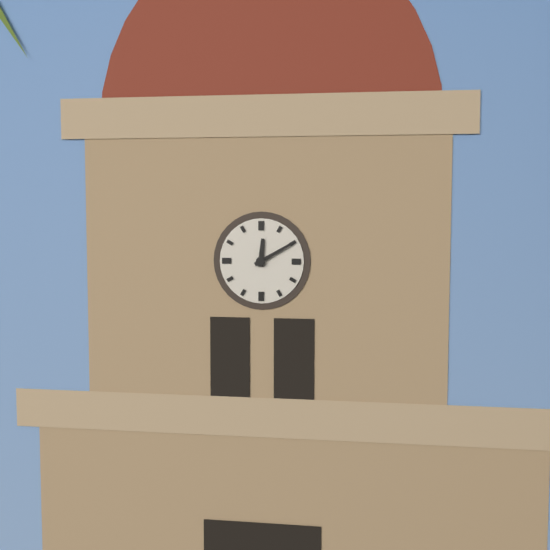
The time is 12:10
